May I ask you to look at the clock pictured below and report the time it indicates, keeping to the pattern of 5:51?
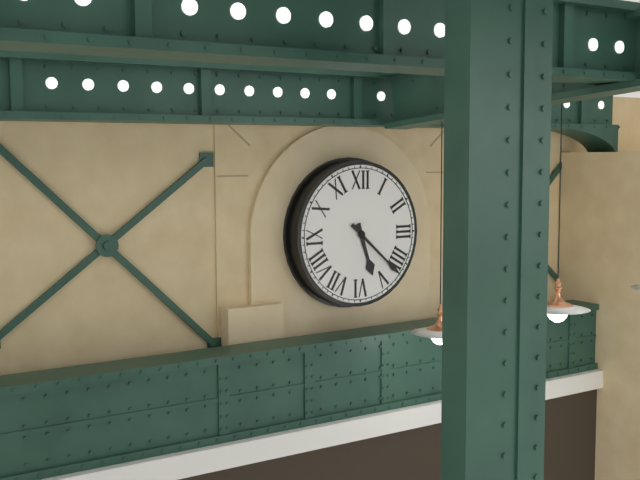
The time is 5:22
